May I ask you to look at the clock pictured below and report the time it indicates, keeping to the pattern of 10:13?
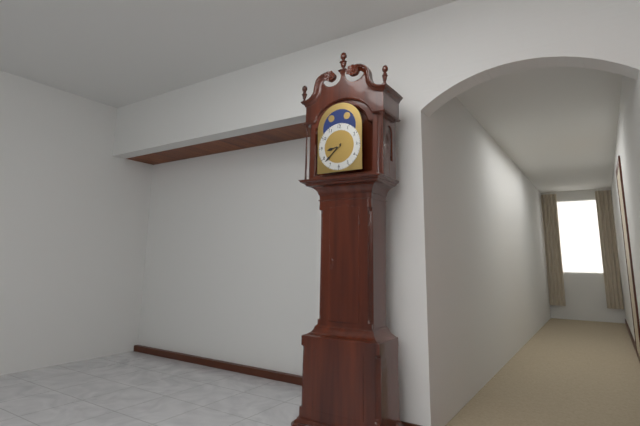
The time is 8:38
